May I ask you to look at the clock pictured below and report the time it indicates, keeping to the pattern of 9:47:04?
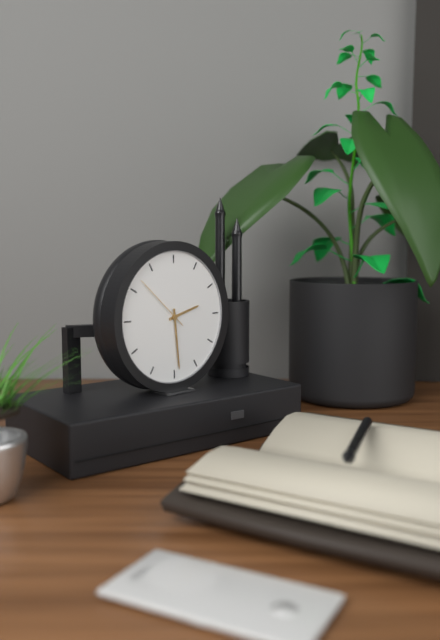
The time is 2:29:52
